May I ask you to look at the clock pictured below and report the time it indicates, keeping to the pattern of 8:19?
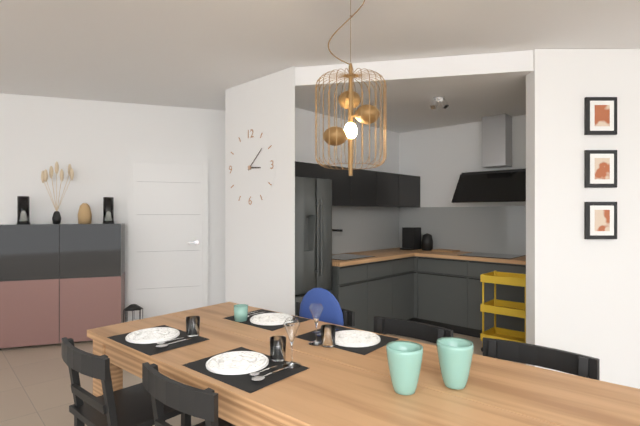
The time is 3:08
